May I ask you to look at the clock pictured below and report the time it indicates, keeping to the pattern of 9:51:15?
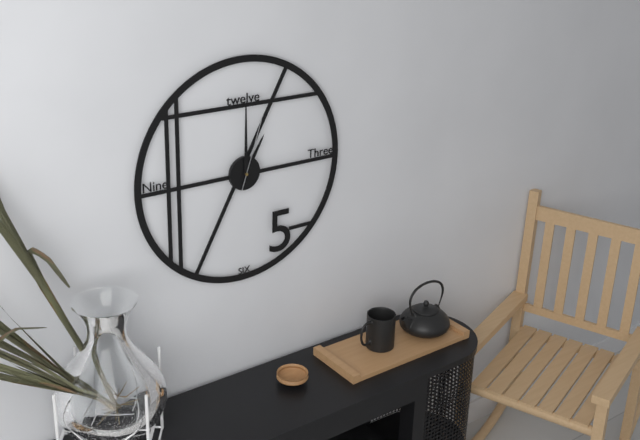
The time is 1:00:03
